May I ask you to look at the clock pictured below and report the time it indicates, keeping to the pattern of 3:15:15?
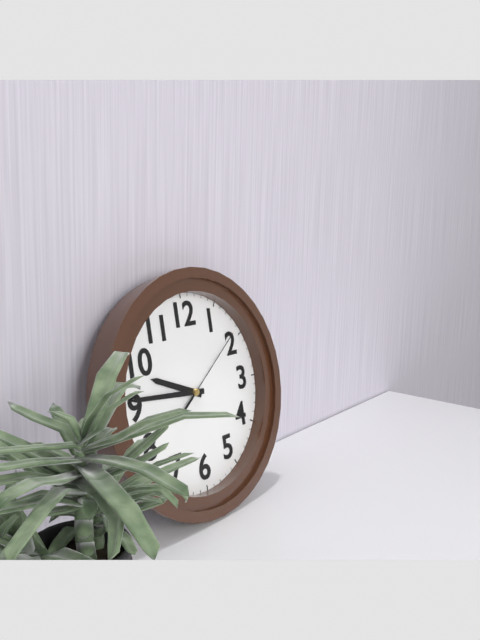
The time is 9:46:09
